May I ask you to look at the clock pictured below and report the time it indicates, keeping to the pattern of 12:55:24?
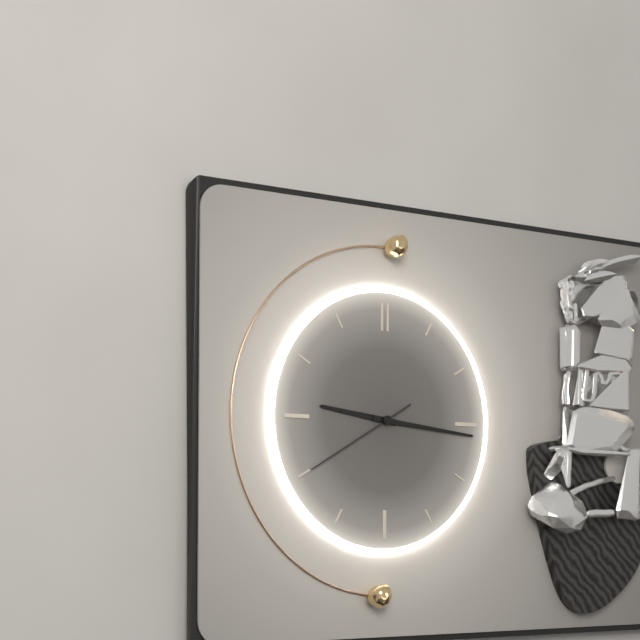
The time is 9:16:40
